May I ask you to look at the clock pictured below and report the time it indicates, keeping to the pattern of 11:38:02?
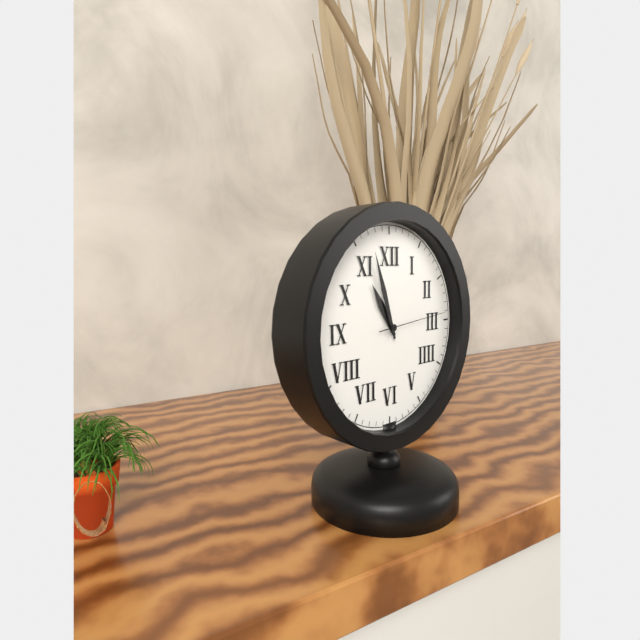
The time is 10:57:14
